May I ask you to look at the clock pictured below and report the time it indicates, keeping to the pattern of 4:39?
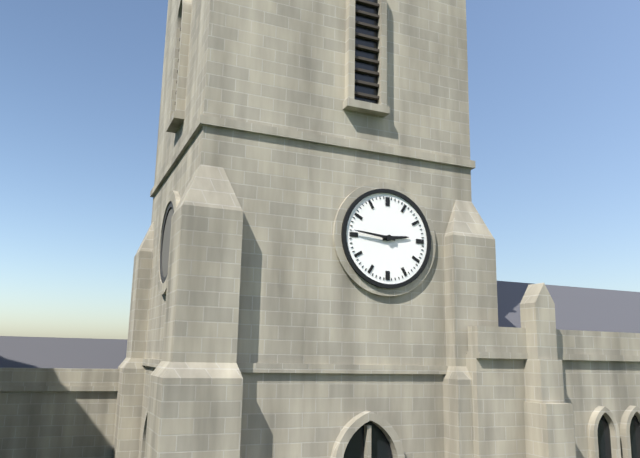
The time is 2:46
